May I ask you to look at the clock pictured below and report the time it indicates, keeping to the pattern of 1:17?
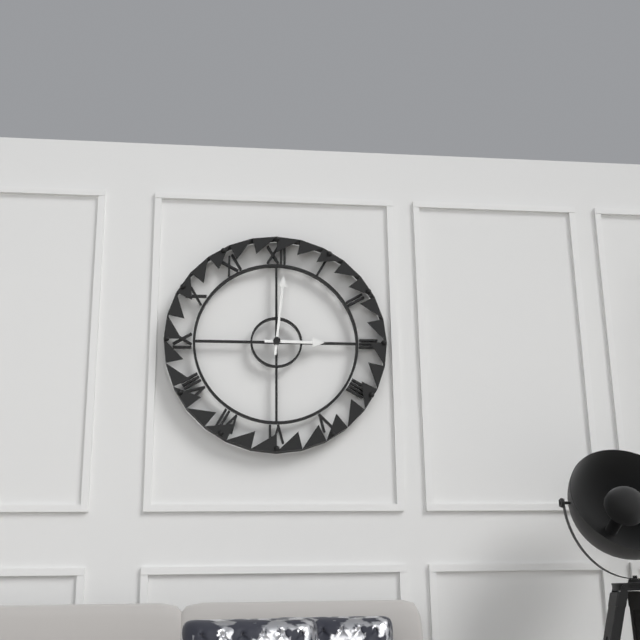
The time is 3:01
